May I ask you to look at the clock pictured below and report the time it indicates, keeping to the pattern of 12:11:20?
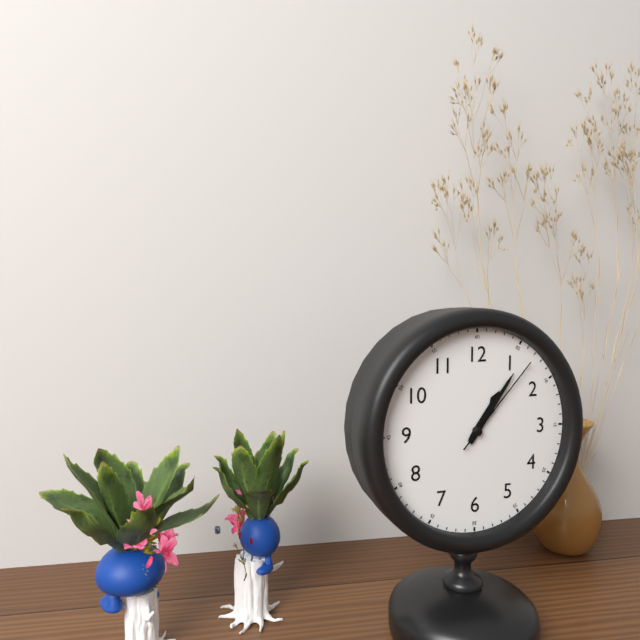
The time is 1:06:07
